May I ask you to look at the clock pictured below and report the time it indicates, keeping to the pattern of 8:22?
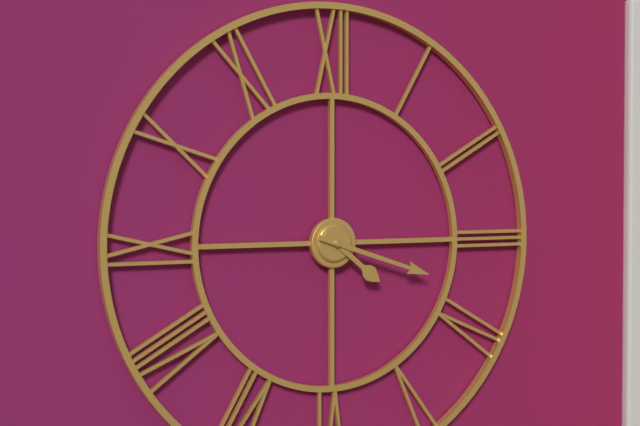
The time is 4:18
